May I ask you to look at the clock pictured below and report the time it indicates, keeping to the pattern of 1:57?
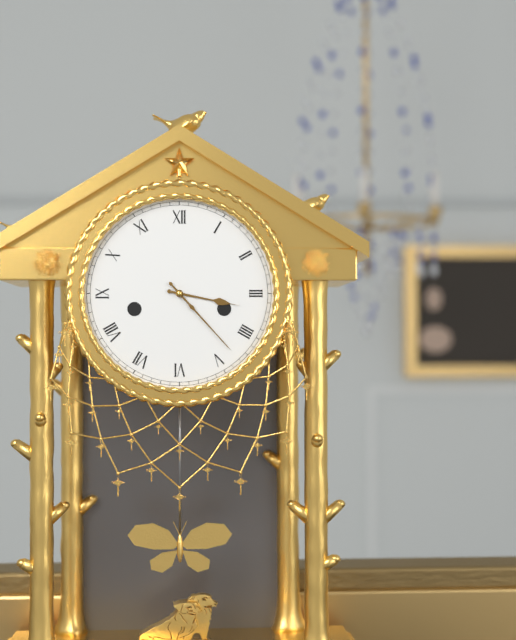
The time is 3:23
